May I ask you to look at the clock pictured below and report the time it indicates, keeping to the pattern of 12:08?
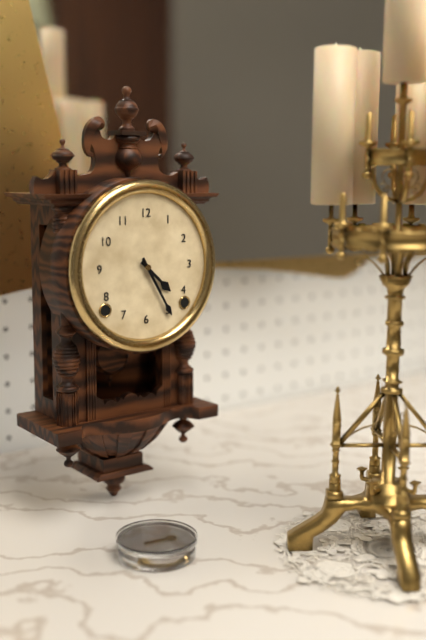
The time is 4:25
